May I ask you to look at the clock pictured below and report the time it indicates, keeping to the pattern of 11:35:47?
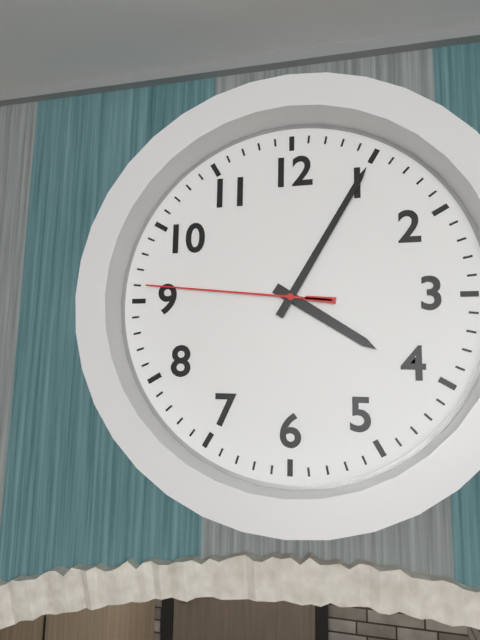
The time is 4:05:46
